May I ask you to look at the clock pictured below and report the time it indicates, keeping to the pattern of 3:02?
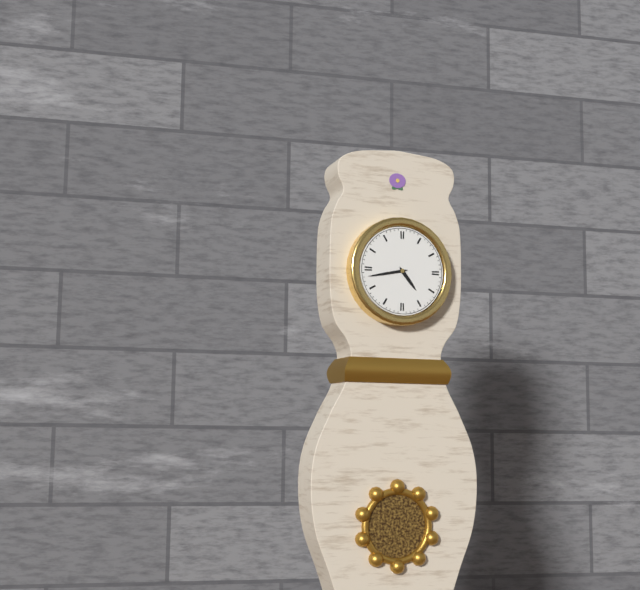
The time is 4:43
